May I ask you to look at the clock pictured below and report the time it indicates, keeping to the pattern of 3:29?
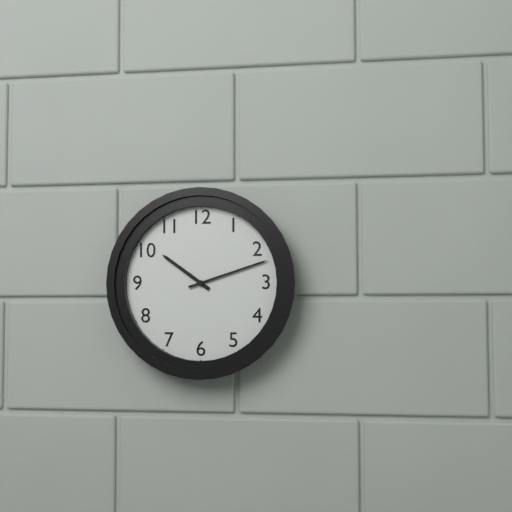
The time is 10:12
